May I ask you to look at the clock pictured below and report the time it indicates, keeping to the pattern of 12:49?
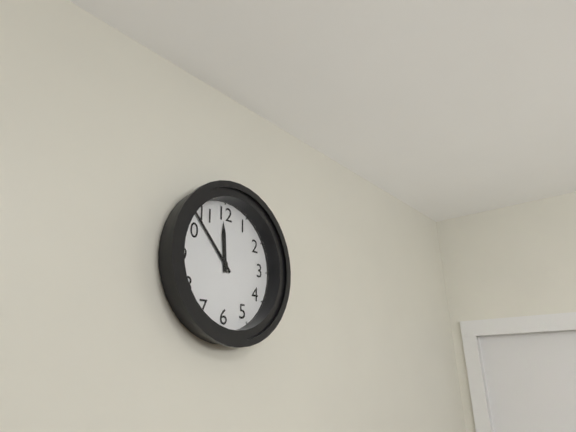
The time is 11:53
